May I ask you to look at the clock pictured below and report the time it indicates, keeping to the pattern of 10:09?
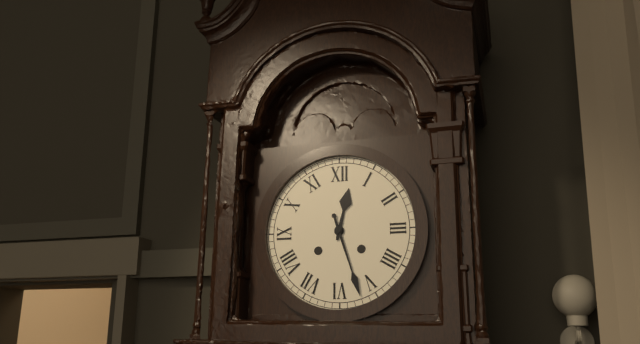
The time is 12:27
